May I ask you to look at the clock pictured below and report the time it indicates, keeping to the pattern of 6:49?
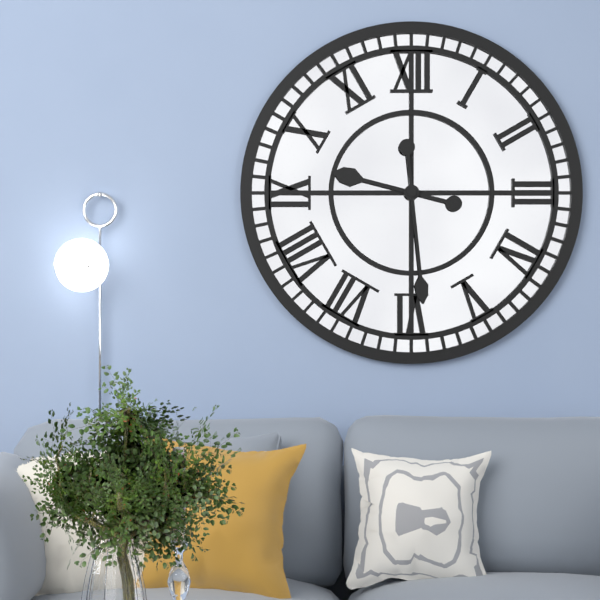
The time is 9:29
